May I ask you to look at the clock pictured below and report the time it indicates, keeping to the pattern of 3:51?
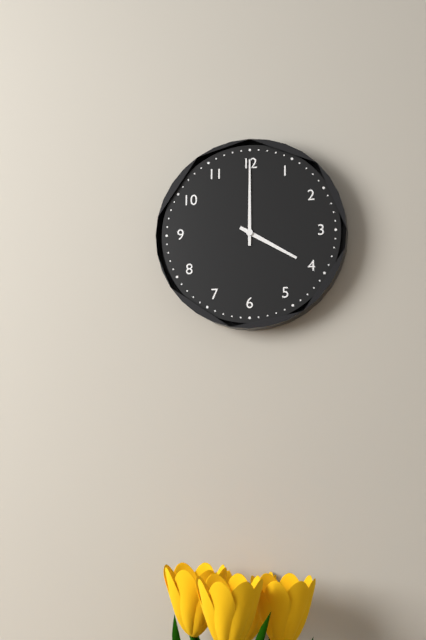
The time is 4:00
